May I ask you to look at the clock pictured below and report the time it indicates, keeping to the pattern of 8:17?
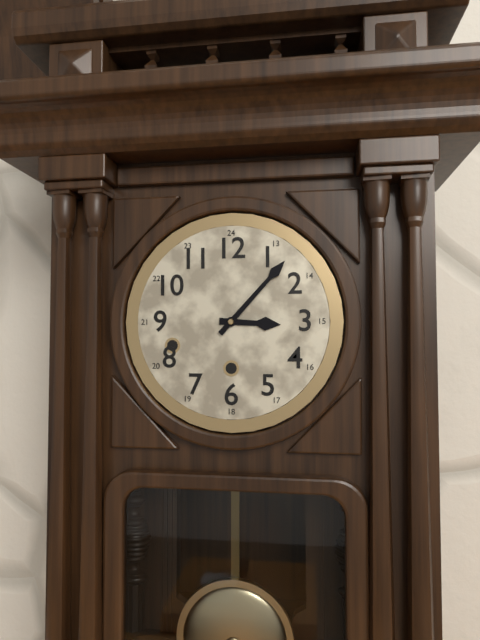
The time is 3:07
